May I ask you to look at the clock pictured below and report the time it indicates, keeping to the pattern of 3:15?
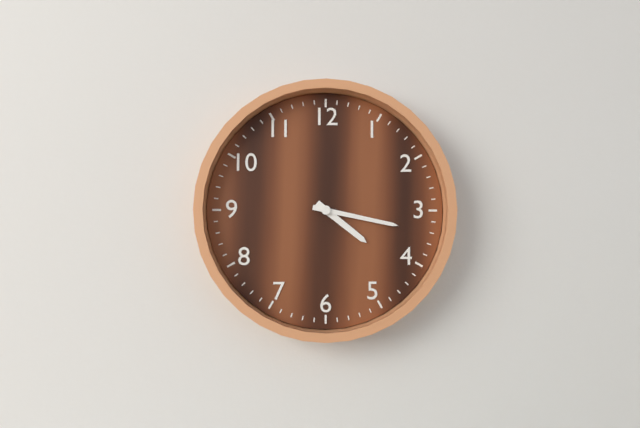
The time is 4:17
